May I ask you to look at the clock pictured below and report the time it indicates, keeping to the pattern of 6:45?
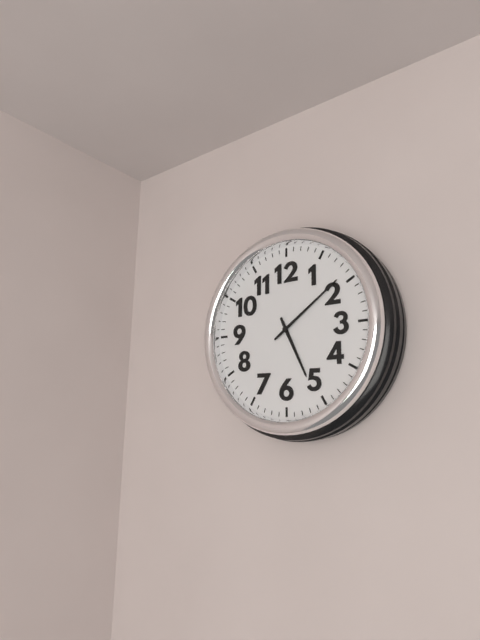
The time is 5:09
